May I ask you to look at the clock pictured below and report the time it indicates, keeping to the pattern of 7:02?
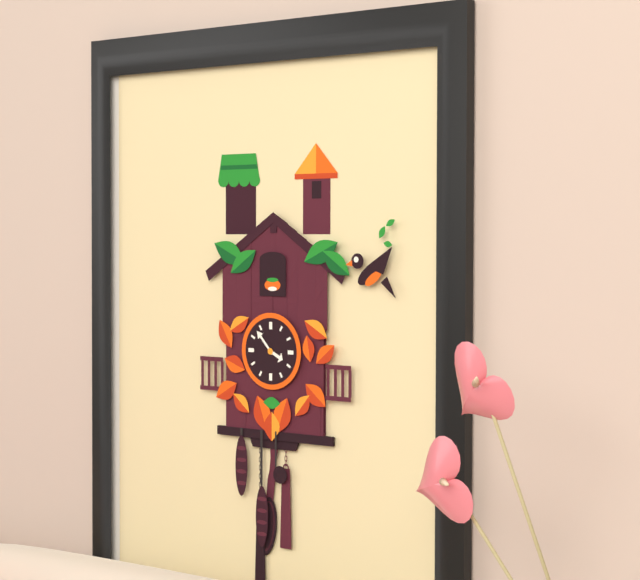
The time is 3:53
